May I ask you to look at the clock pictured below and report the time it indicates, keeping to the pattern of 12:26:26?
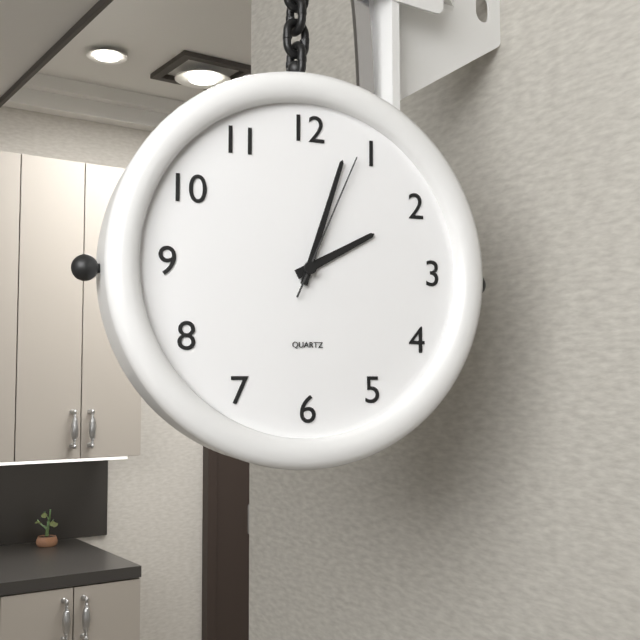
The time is 2:03:04
